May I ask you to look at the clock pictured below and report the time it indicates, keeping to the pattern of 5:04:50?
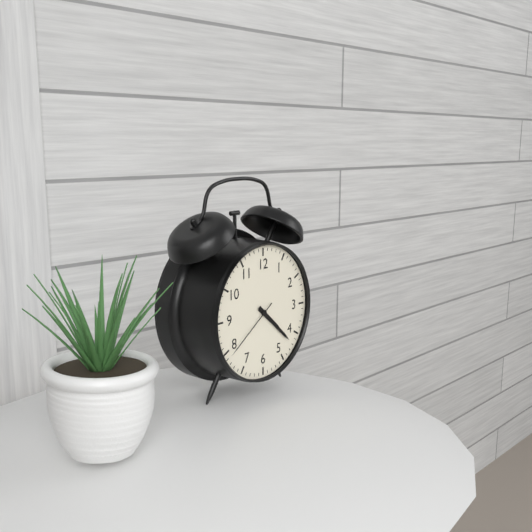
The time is 4:22:39
